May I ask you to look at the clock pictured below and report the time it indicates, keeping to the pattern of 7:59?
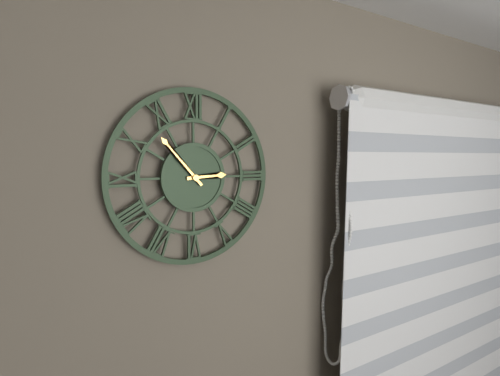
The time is 2:53
